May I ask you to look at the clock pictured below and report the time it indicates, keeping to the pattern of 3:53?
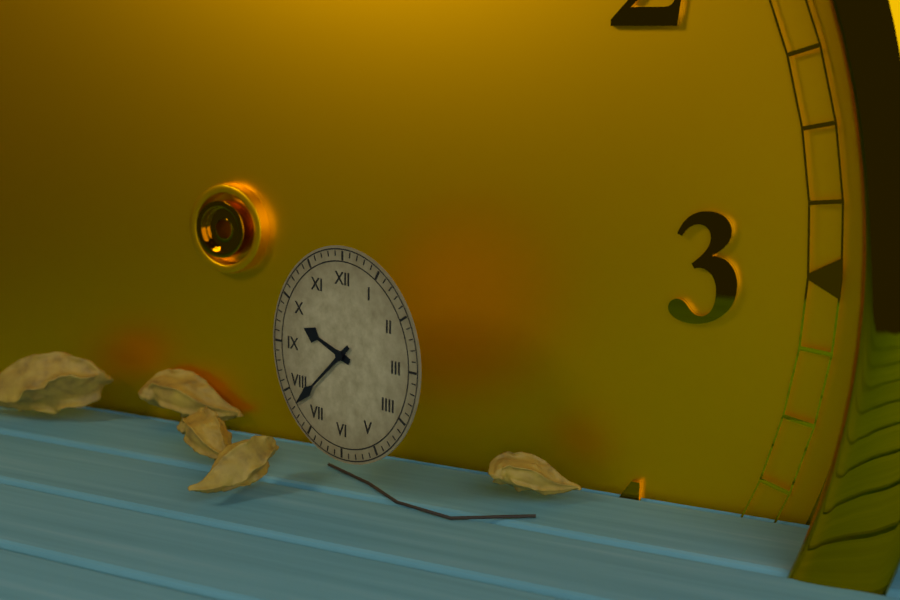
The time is 9:38
